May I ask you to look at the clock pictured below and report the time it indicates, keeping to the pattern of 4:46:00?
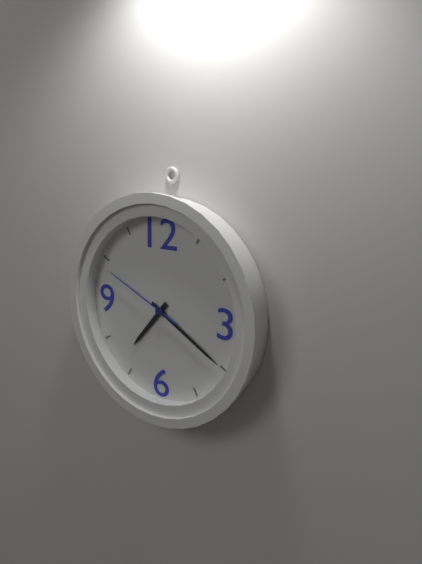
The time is 7:20:49
